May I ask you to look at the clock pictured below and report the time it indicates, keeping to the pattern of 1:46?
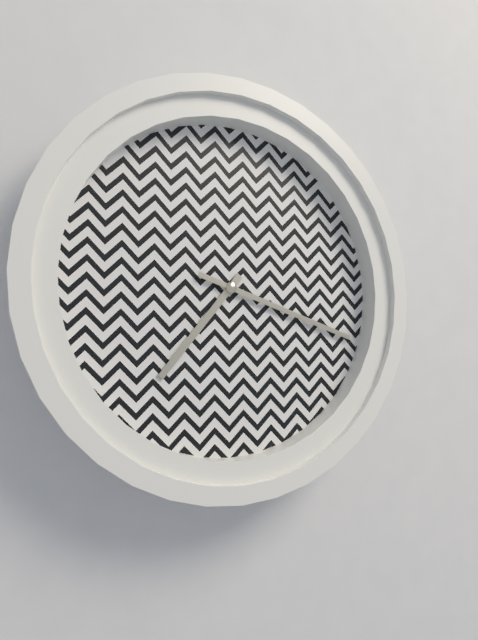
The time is 7:18
